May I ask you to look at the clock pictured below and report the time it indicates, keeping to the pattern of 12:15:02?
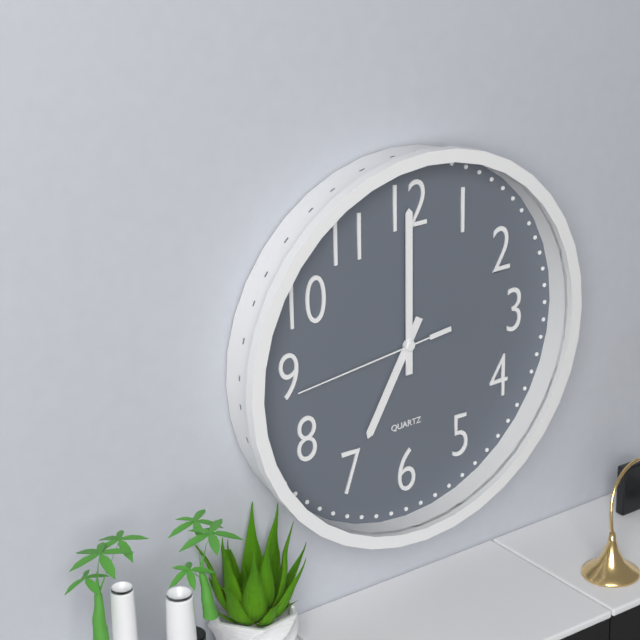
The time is 7:00:44
